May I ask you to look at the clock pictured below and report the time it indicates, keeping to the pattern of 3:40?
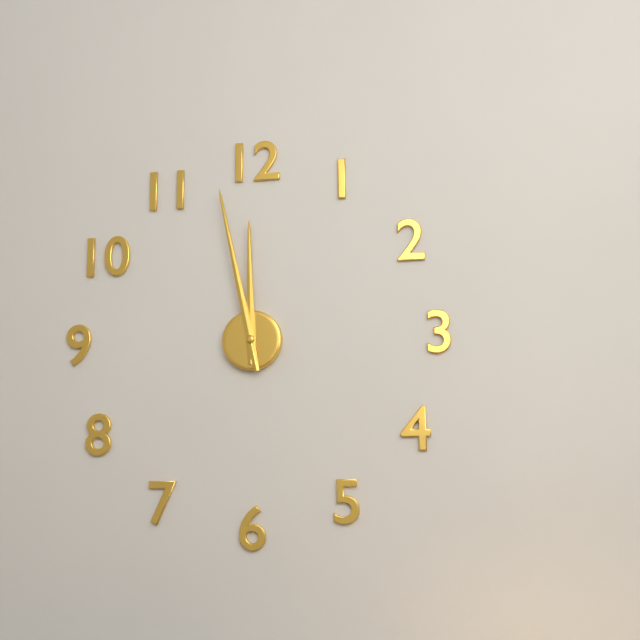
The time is 11:58
